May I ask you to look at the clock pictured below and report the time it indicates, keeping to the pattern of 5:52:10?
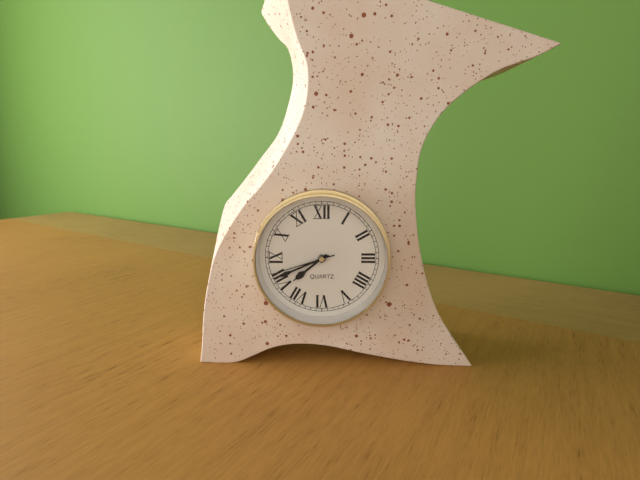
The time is 7:41:42
